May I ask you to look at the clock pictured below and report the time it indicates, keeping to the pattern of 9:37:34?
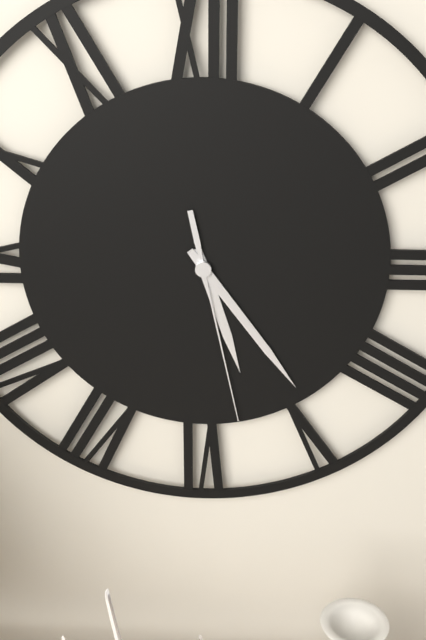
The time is 5:24:28
